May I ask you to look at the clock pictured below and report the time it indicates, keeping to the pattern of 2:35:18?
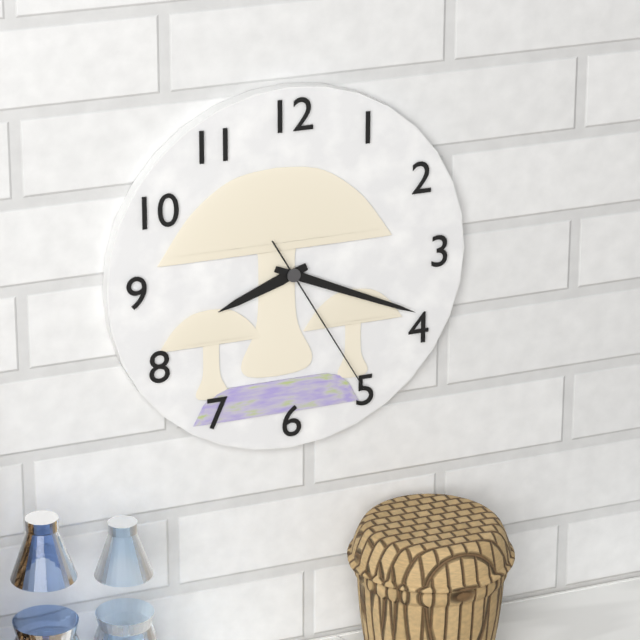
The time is 8:19:25
